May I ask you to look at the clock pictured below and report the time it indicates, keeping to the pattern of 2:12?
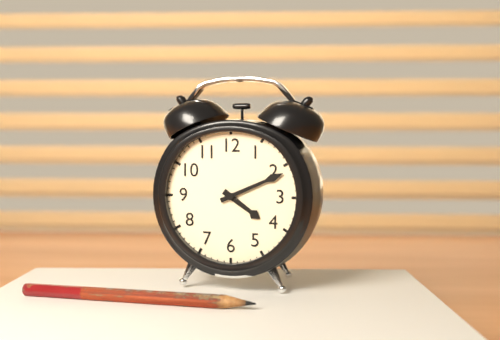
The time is 4:11
